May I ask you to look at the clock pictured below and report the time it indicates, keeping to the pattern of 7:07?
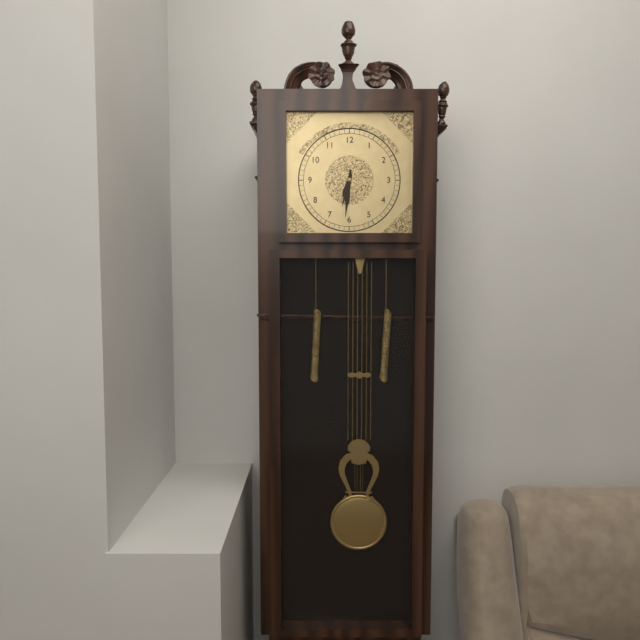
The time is 6:31
